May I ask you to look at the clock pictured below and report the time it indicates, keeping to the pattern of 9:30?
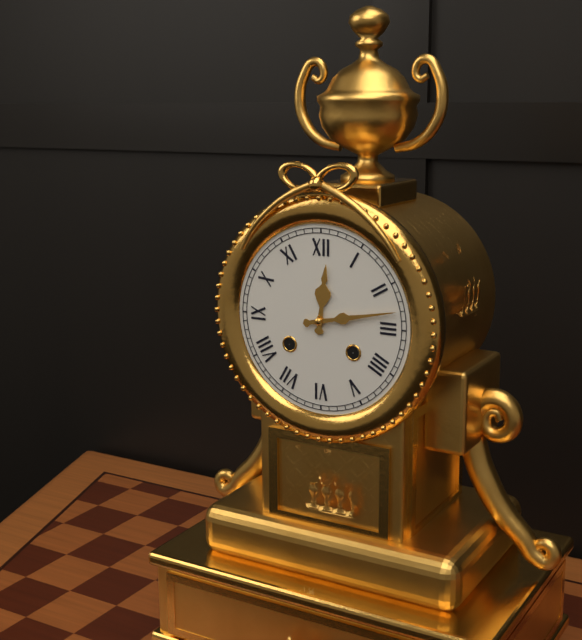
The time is 12:13
